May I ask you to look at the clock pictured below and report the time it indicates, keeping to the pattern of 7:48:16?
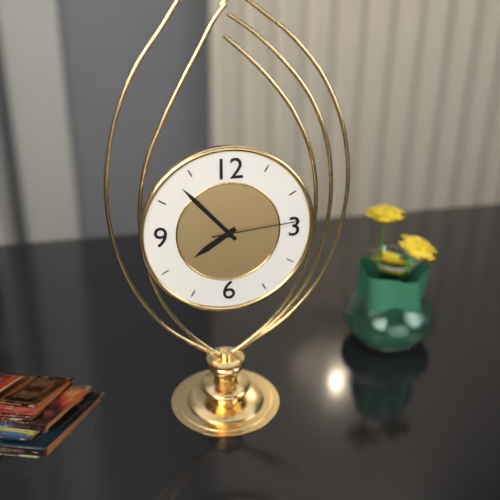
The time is 7:53:14
